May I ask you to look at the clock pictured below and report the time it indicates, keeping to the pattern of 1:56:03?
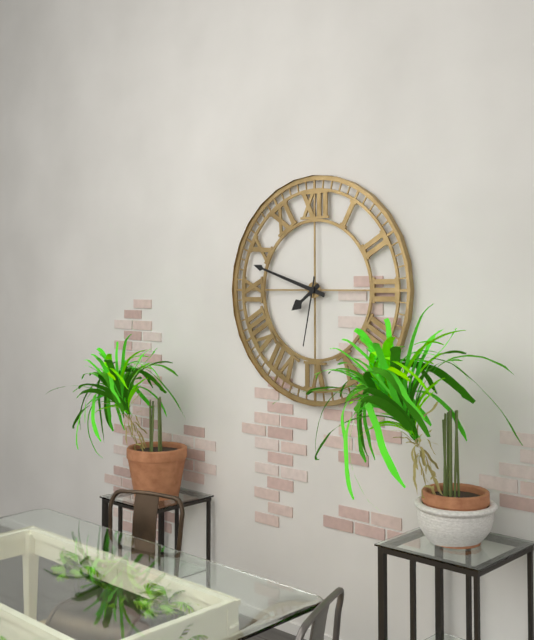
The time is 7:48:32
